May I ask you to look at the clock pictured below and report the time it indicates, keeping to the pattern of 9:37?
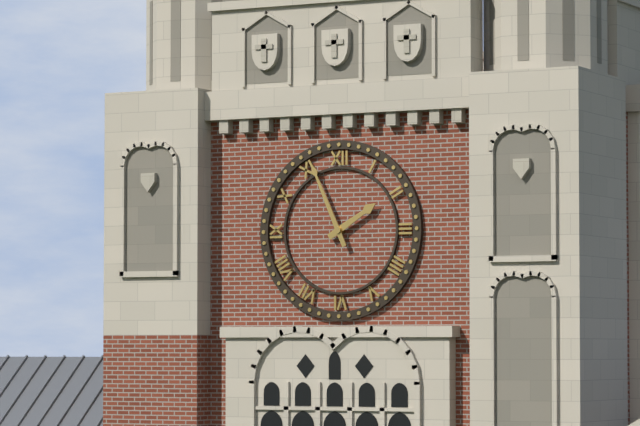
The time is 1:56
